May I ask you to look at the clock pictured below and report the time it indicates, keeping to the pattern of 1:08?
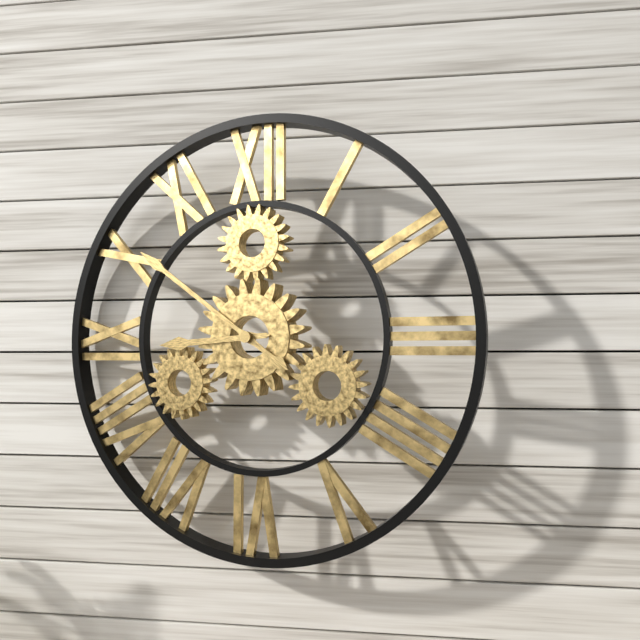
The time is 8:51
